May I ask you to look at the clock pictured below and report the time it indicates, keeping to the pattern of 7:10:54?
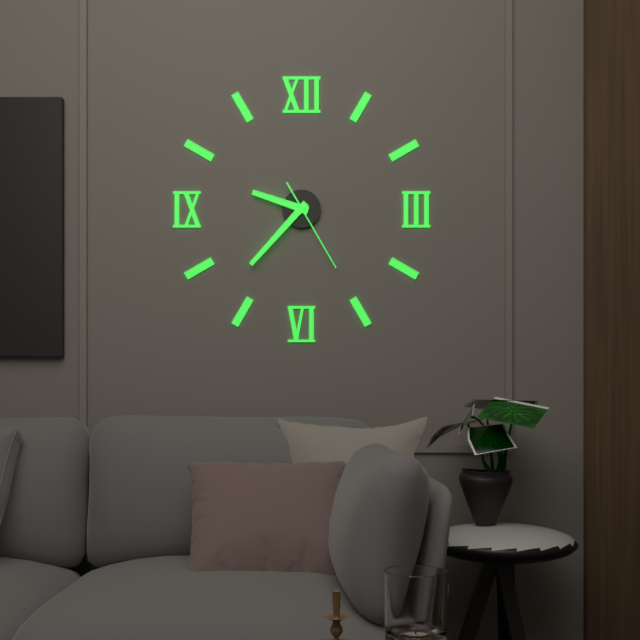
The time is 9:37:25
